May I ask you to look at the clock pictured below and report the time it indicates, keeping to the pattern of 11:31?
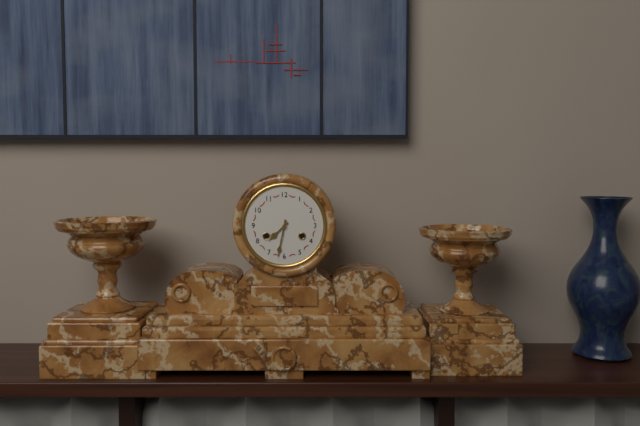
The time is 7:32
